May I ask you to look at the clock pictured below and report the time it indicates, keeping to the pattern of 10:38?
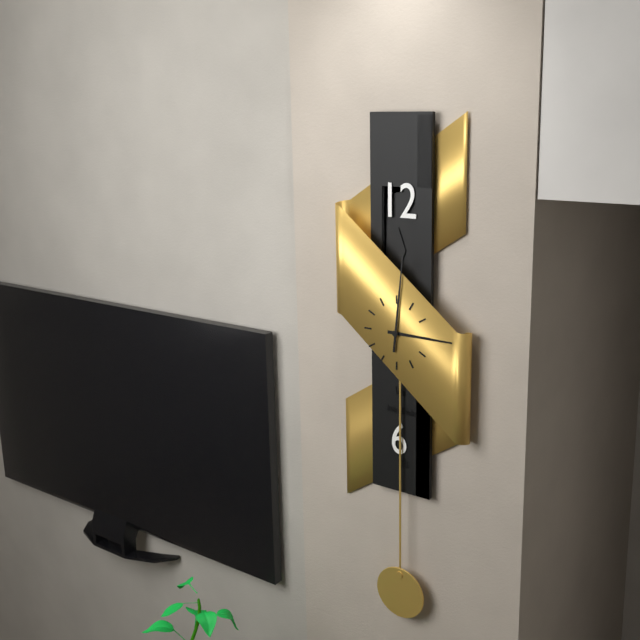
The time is 3:01
